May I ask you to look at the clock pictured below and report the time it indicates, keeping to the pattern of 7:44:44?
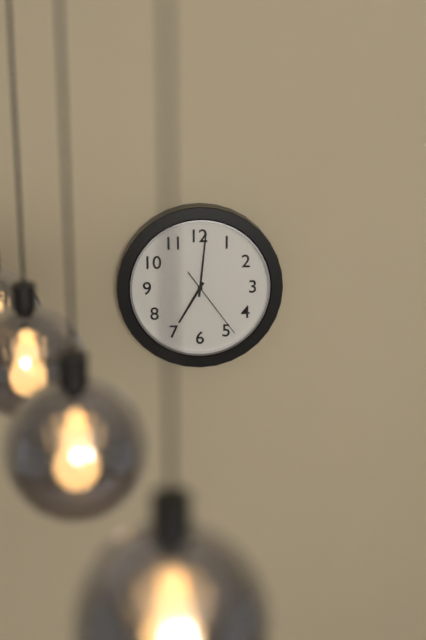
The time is 7:01:24
